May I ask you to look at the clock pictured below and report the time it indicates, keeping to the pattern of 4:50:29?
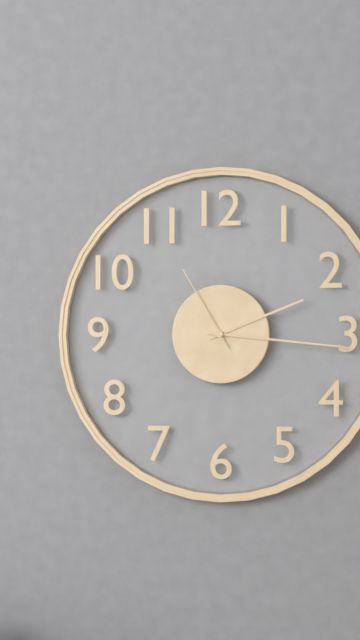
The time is 2:16:55
